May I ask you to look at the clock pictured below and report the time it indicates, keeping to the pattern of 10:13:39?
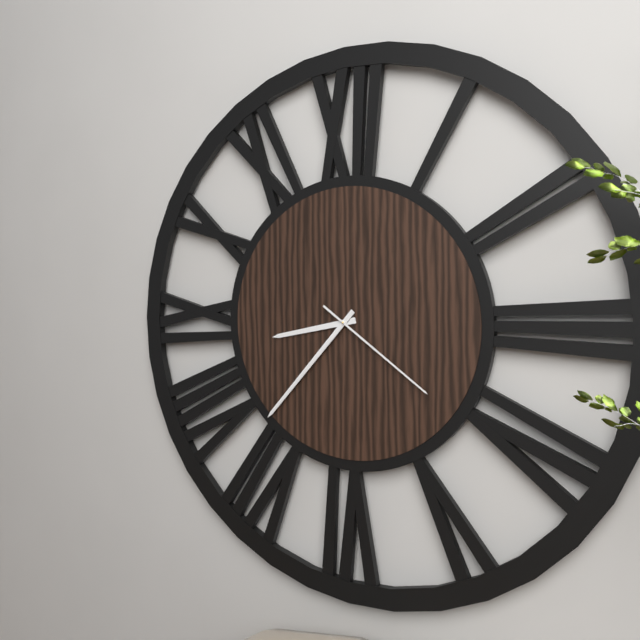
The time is 8:37:21
